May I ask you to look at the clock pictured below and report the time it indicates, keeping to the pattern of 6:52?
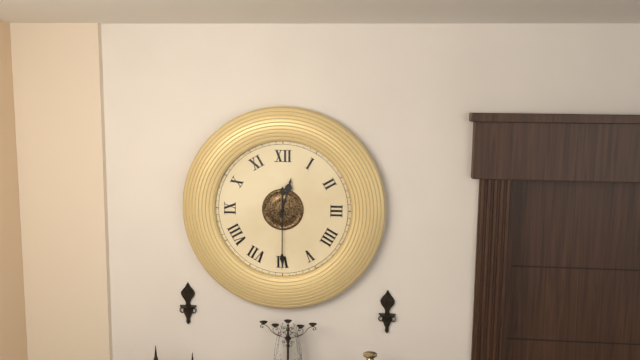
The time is 12:30
